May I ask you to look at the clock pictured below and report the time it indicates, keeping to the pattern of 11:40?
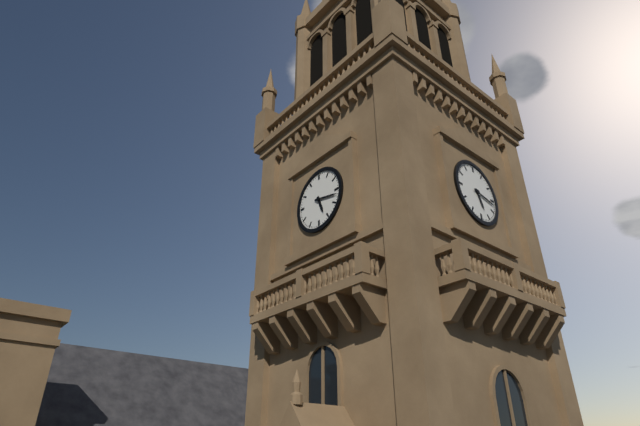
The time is 5:17
